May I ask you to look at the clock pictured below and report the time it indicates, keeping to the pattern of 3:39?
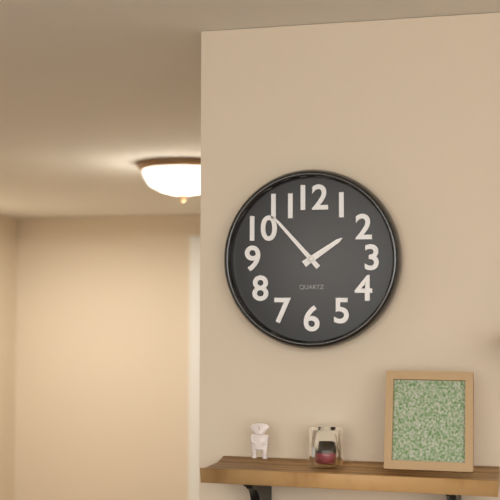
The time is 1:53
